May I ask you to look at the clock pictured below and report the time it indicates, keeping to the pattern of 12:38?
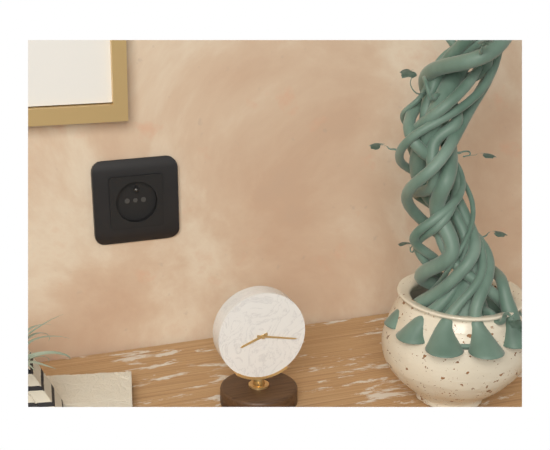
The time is 8:17
